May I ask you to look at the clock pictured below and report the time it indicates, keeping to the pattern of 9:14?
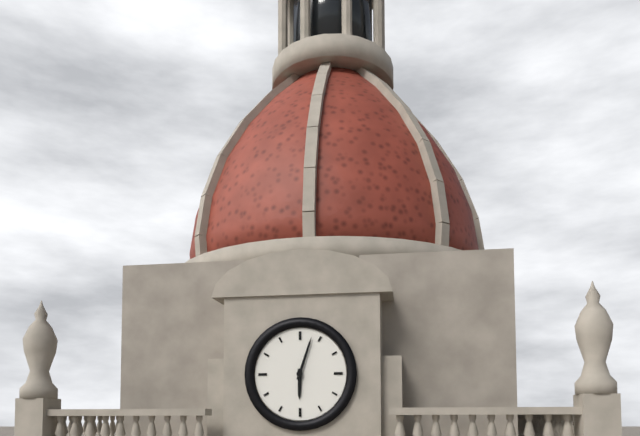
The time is 6:03
